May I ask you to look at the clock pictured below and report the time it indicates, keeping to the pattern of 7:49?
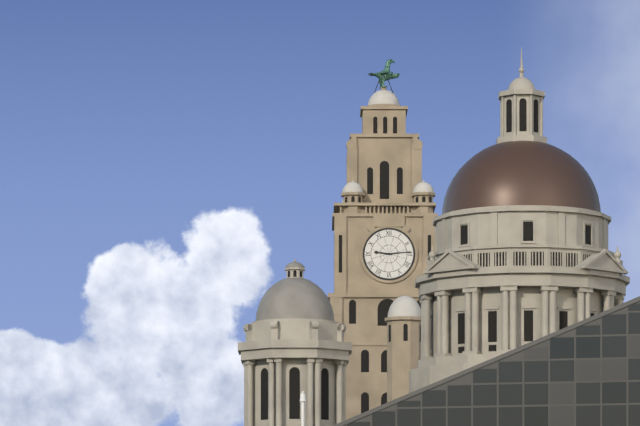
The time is 9:14
